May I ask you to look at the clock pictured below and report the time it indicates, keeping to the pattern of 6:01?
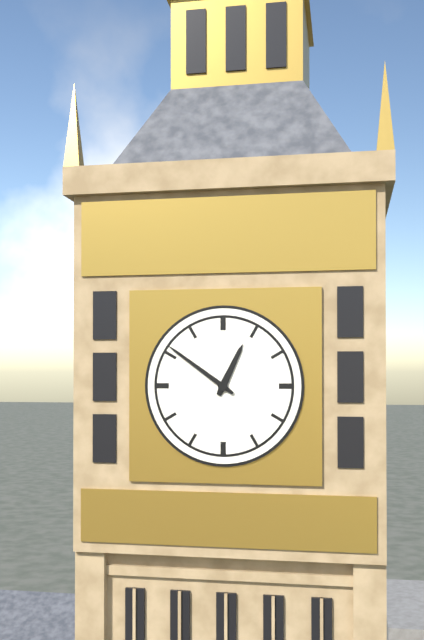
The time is 12:51
